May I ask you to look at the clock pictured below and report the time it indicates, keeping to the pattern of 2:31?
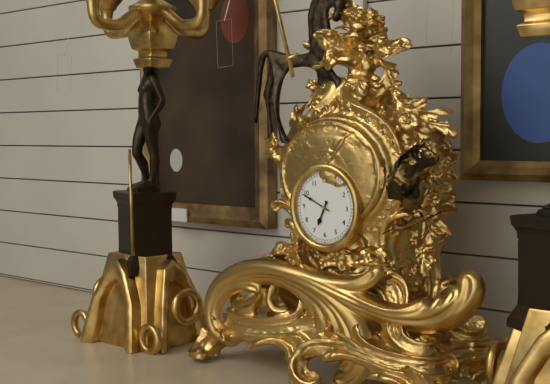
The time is 6:49
